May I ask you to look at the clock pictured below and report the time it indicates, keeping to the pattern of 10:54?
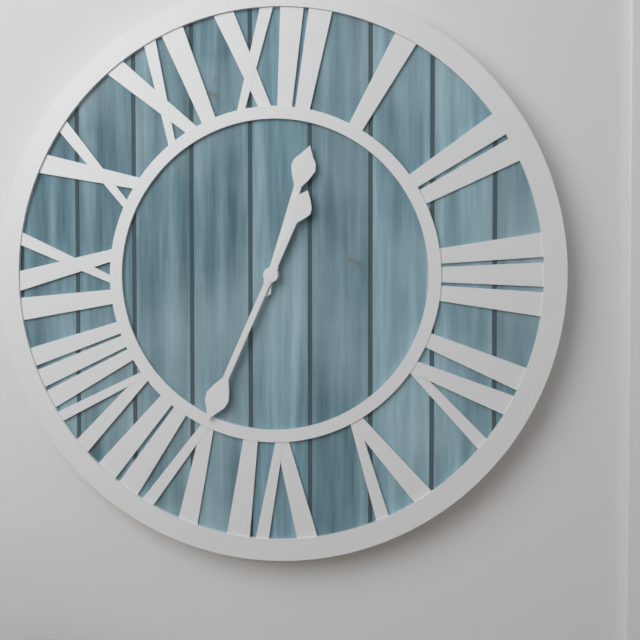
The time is 12:34
